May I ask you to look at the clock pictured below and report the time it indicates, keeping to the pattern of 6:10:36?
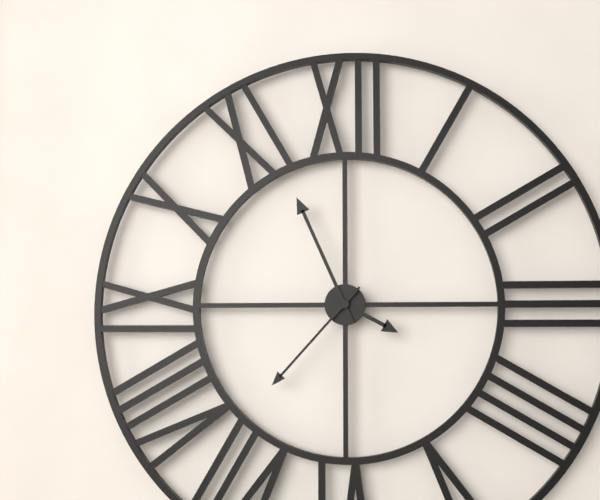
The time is 3:56:37
